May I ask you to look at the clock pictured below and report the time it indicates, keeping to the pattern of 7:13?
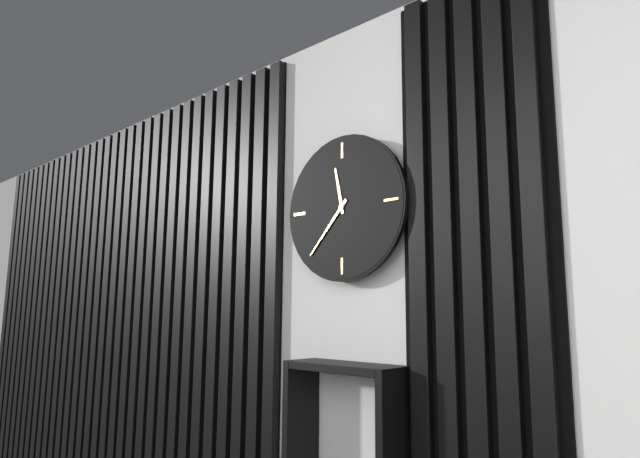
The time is 11:37
